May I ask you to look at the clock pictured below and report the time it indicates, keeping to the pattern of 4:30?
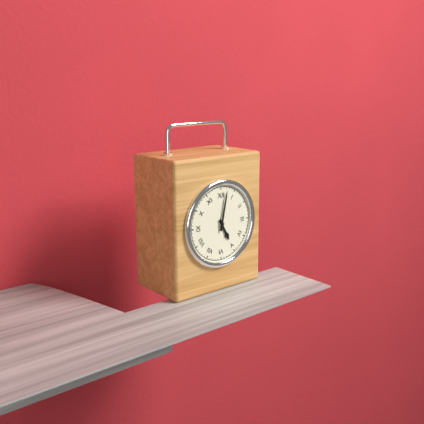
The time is 5:02
